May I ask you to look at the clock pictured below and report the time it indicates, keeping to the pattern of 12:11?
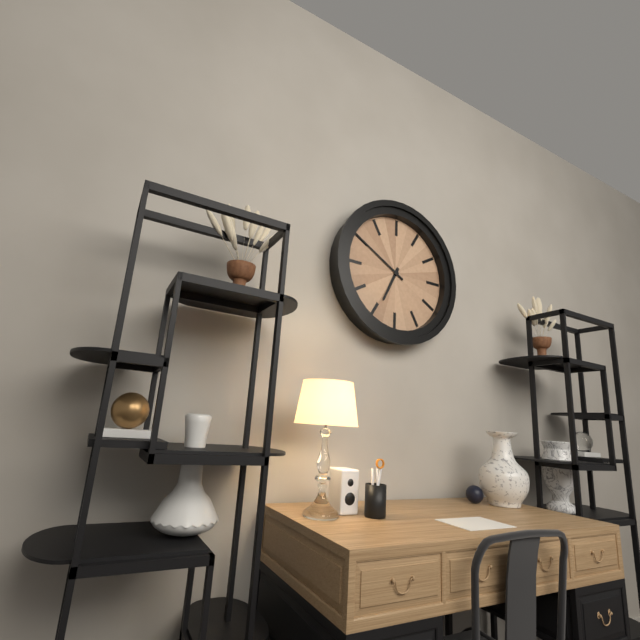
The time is 6:50
